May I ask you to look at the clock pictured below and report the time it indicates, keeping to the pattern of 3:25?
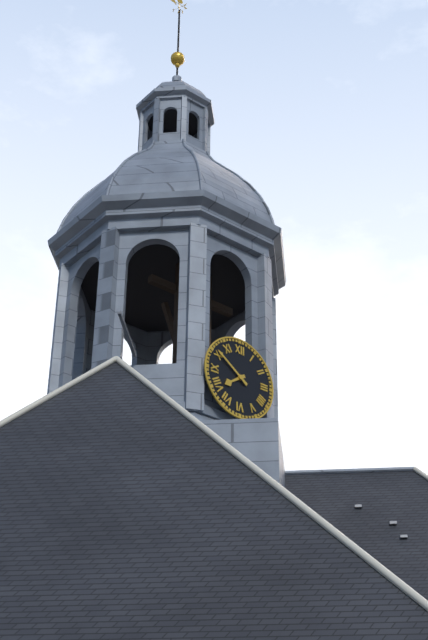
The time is 7:51
